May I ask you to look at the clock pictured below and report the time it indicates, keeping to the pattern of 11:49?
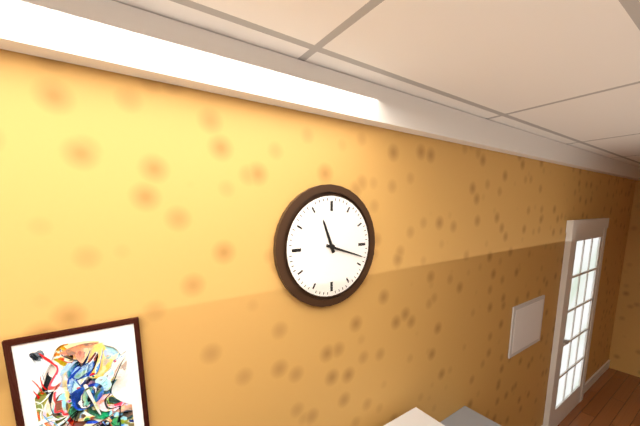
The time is 11:18
